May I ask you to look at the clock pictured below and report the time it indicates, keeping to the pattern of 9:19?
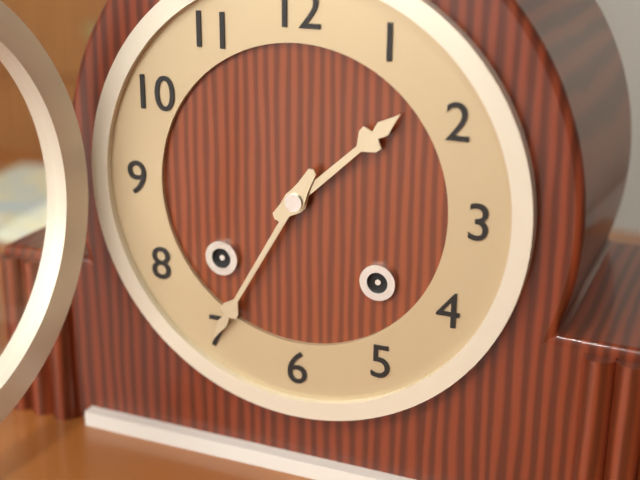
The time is 1:35
